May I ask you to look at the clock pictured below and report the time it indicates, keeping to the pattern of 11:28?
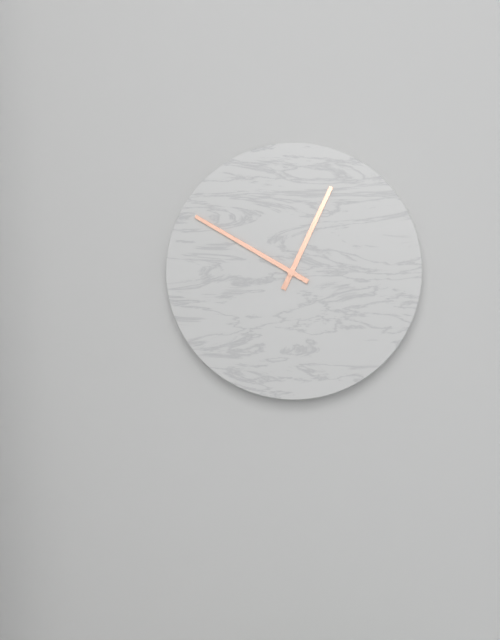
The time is 12:50
